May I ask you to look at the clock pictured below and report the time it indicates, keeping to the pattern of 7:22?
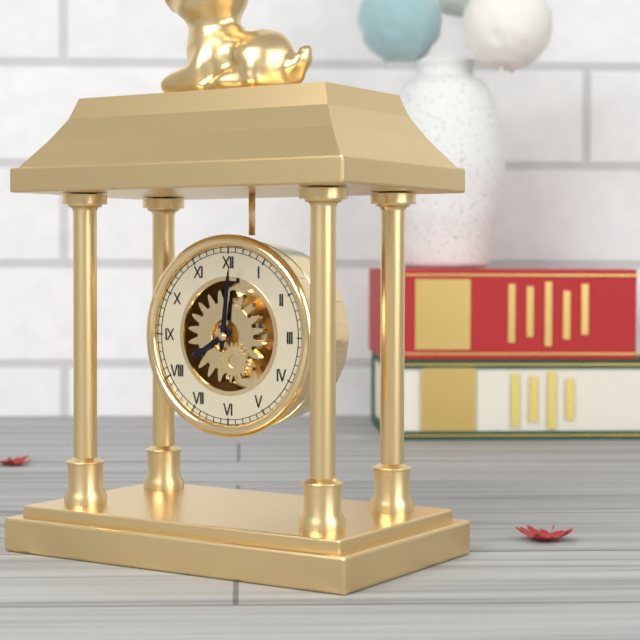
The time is 8:01
